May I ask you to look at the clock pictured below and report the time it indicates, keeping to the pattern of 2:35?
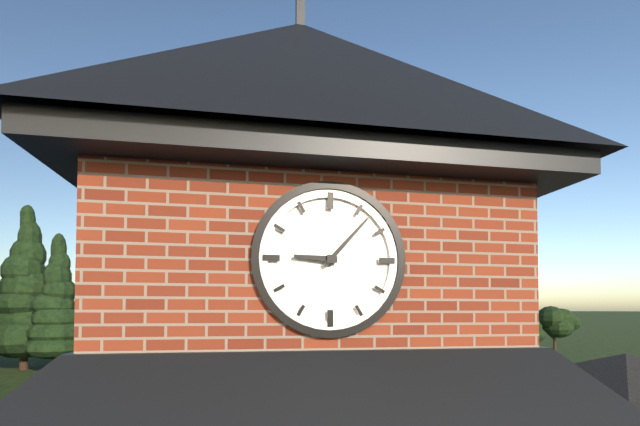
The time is 9:07
